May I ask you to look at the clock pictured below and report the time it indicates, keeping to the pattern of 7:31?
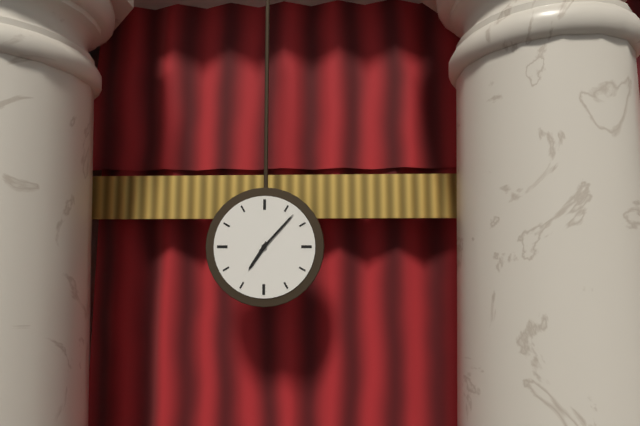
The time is 7:07
